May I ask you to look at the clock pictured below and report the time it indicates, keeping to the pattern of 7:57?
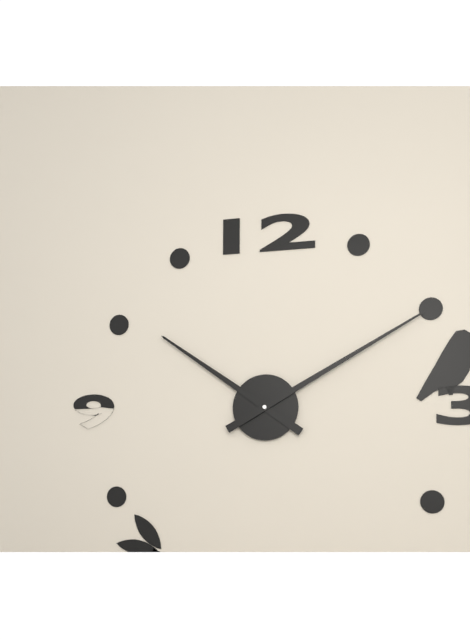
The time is 10:10
